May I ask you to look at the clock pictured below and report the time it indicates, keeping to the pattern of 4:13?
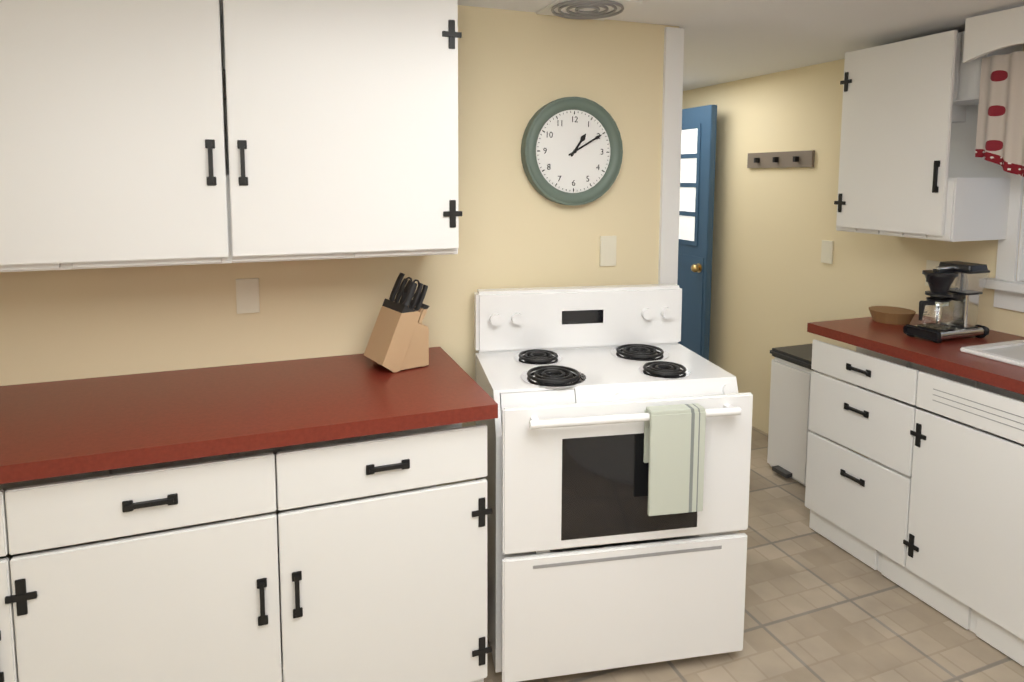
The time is 1:10
